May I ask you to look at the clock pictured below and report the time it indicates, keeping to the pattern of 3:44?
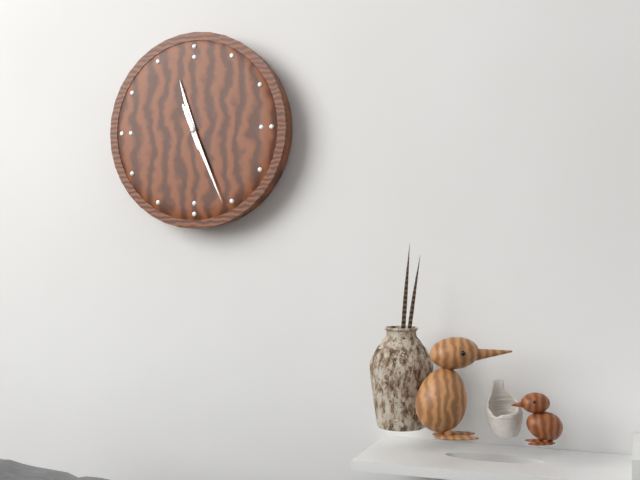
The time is 11:26
